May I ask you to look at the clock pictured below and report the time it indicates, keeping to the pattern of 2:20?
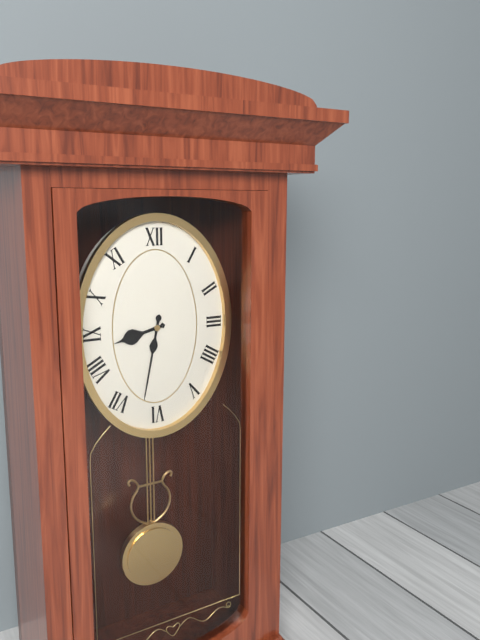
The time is 8:32
